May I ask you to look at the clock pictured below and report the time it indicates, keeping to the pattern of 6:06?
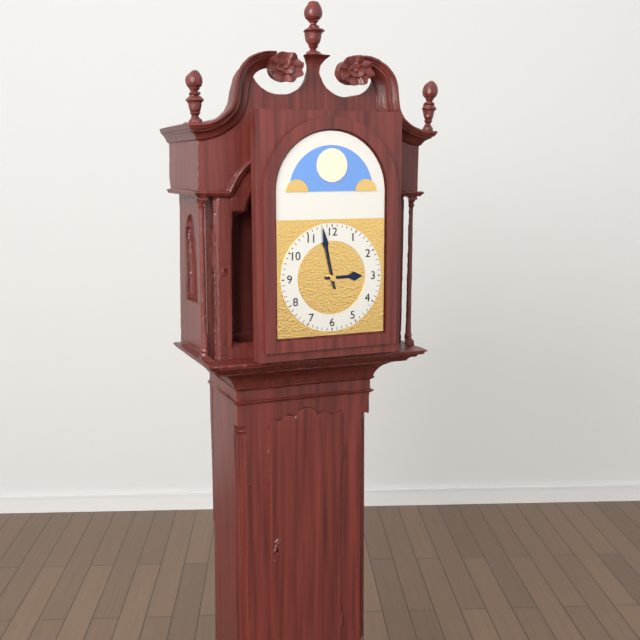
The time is 2:58
